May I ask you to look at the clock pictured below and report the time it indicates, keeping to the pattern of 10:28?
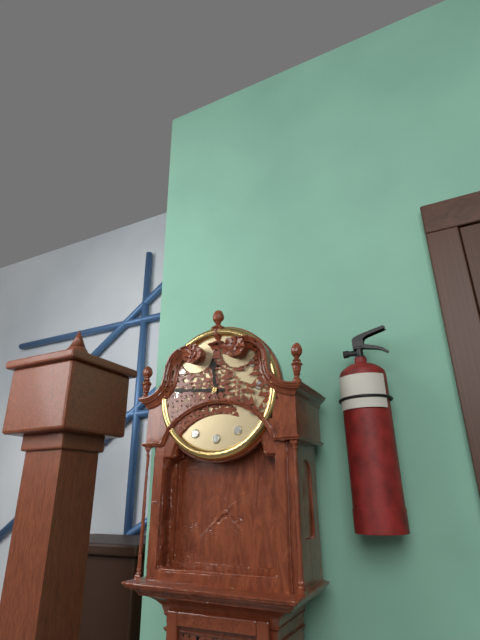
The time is 11:46
